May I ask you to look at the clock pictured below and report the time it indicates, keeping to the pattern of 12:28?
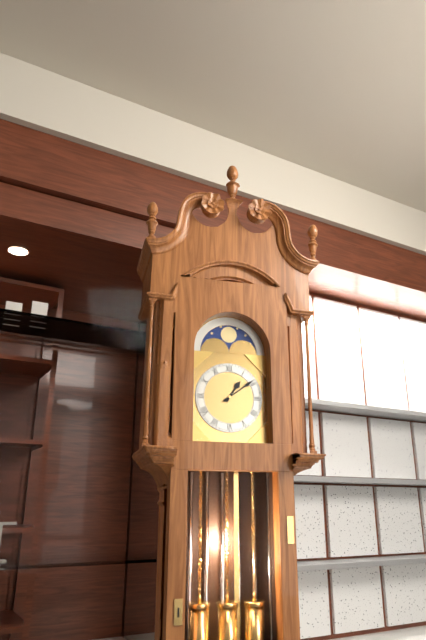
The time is 1:09
